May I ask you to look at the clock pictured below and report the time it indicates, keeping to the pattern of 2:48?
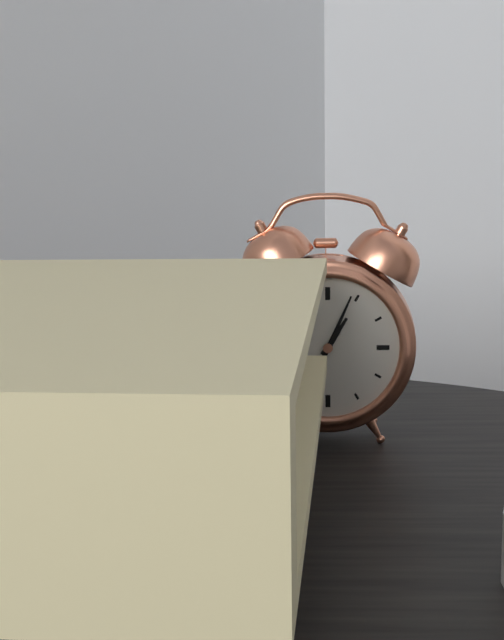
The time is 1:04
